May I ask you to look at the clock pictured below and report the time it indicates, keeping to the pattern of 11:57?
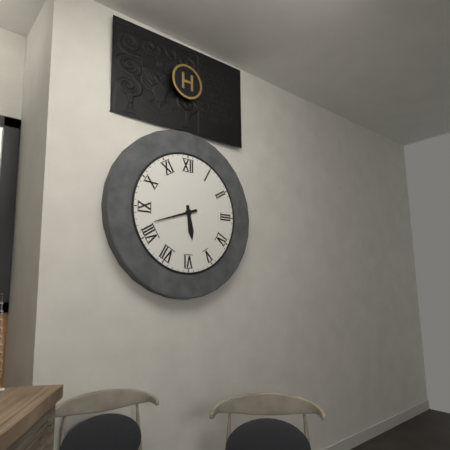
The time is 5:42
